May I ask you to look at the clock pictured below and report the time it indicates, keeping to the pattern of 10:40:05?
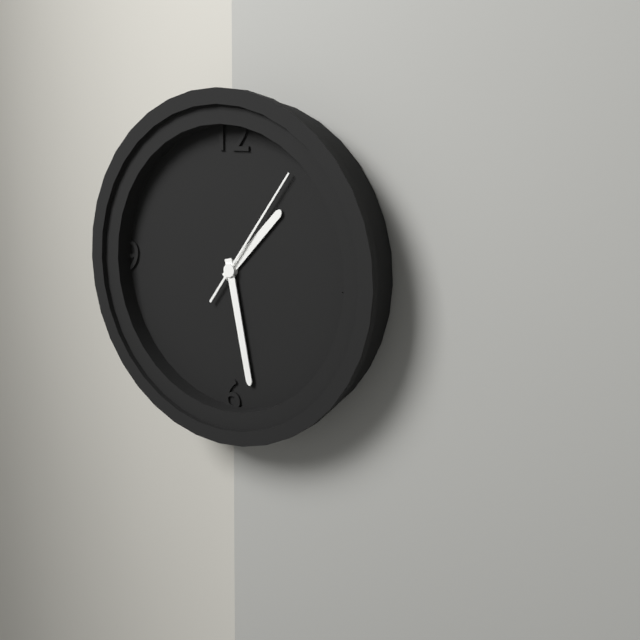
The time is 1:28:06
